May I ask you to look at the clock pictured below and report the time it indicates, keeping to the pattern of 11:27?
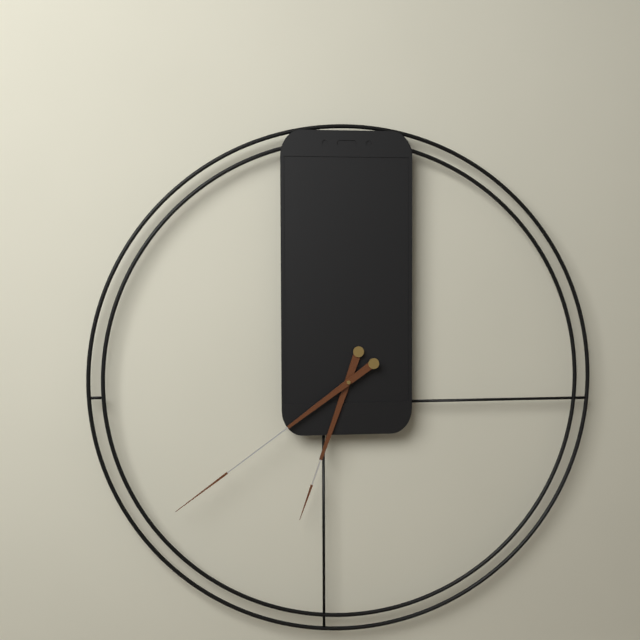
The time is 6:39
